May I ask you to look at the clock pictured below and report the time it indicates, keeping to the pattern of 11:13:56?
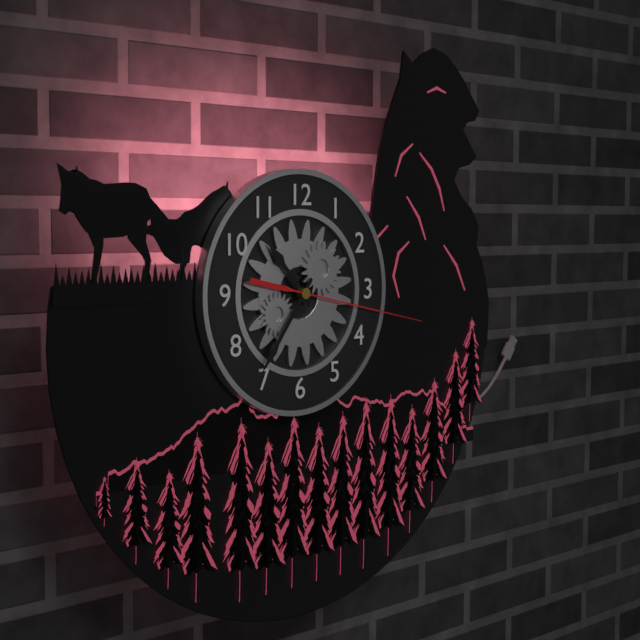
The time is 10:36:17
